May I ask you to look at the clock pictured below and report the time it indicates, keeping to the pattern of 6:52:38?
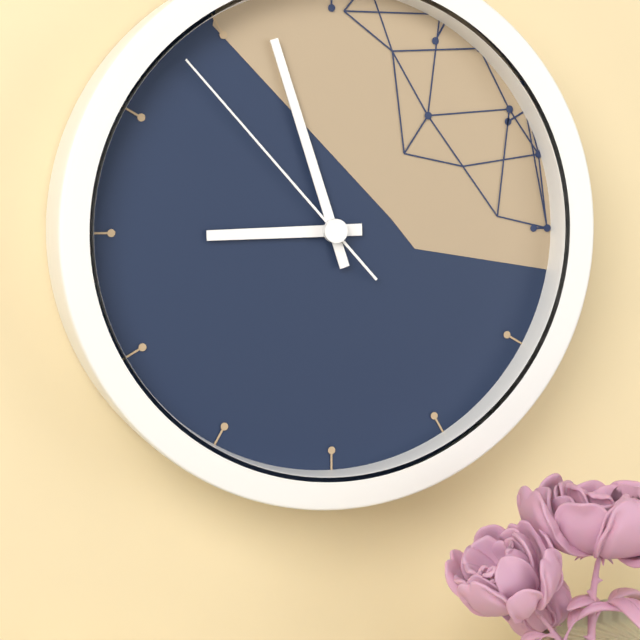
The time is 8:57:53
